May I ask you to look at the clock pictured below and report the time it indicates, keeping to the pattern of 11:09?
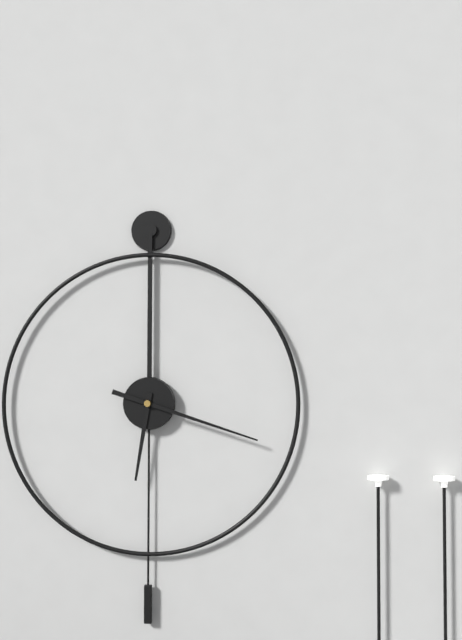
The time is 6:18
